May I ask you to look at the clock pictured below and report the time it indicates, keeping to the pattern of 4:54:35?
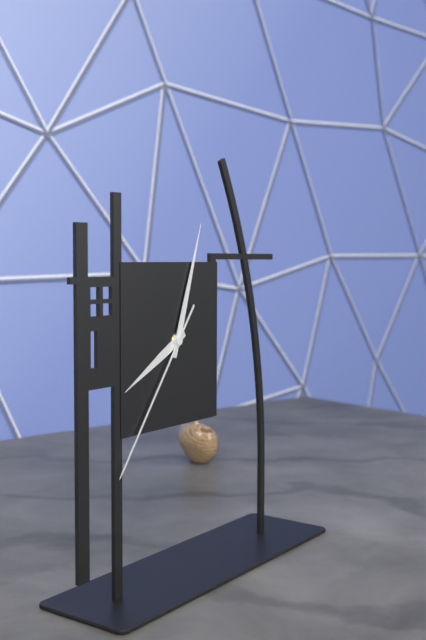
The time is 8:03:36
